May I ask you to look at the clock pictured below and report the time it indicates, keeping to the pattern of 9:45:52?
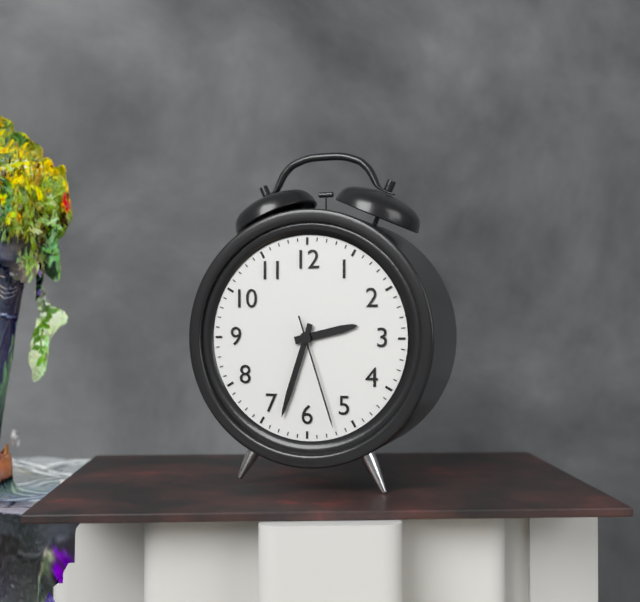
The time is 2:33:27
